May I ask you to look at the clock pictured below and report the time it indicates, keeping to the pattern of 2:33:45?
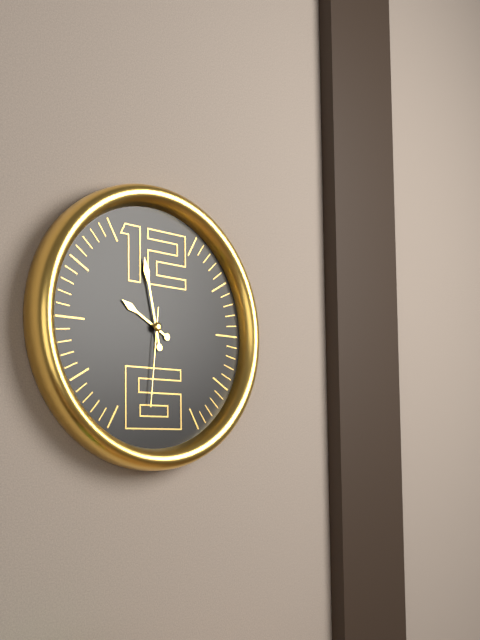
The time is 9:58:31
